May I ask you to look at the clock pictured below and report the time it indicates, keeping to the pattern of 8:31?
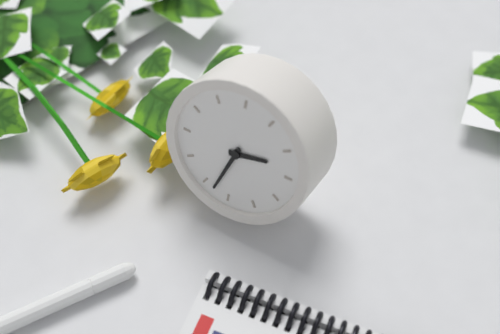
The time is 2:33
